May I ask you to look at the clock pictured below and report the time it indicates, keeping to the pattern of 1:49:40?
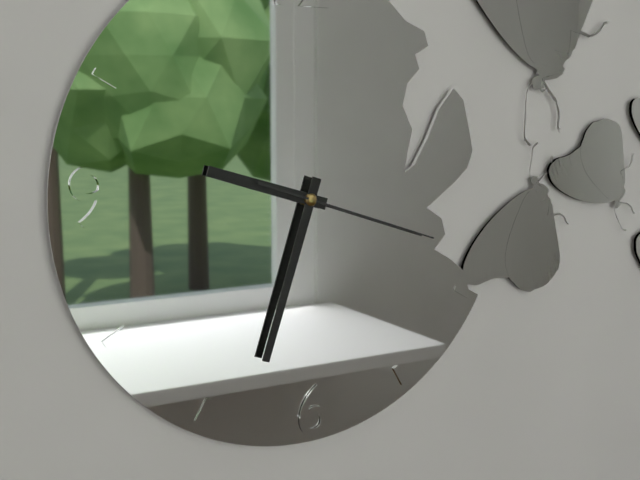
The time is 9:33:18
